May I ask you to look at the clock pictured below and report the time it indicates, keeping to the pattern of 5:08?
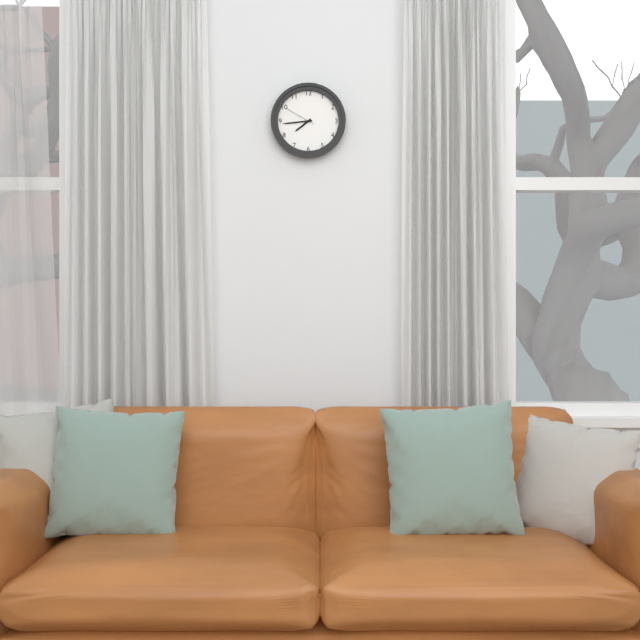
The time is 7:44
